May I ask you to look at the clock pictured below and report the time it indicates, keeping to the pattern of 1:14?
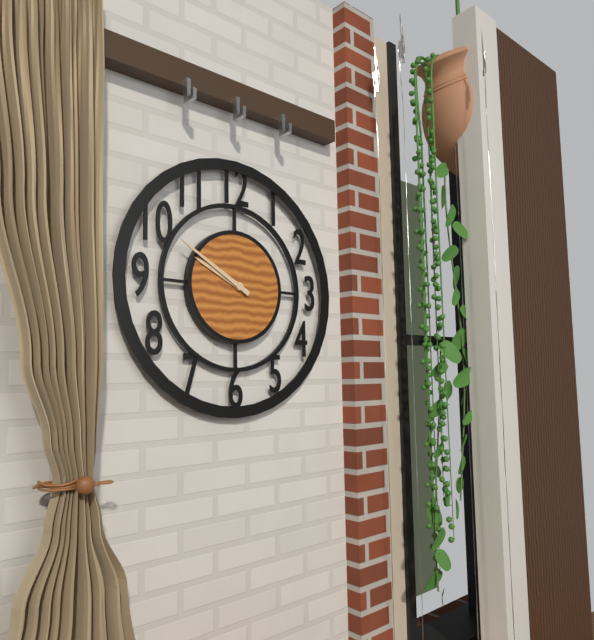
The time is 9:50
